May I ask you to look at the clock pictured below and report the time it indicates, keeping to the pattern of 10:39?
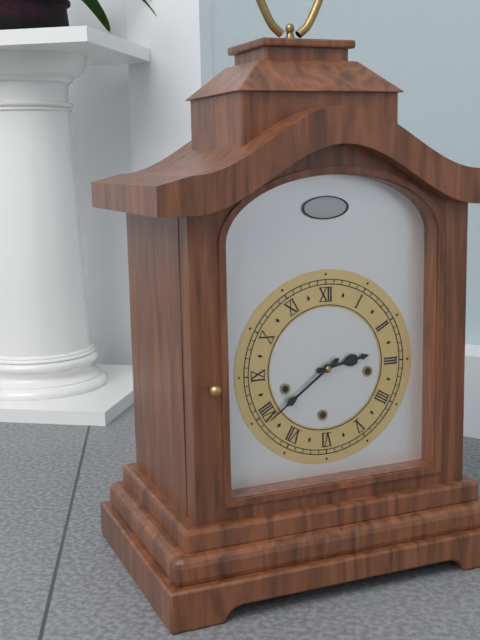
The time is 2:39
